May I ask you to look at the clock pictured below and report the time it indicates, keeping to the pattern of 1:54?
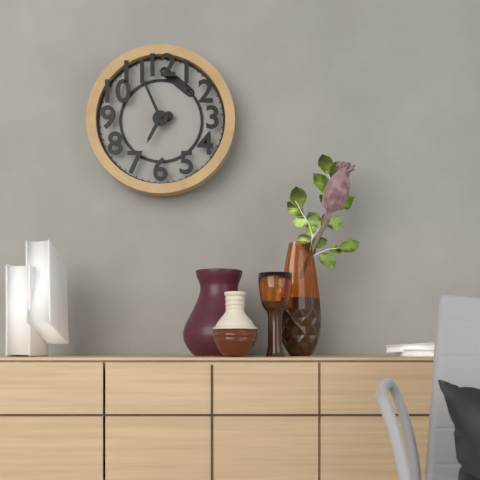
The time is 6:56
